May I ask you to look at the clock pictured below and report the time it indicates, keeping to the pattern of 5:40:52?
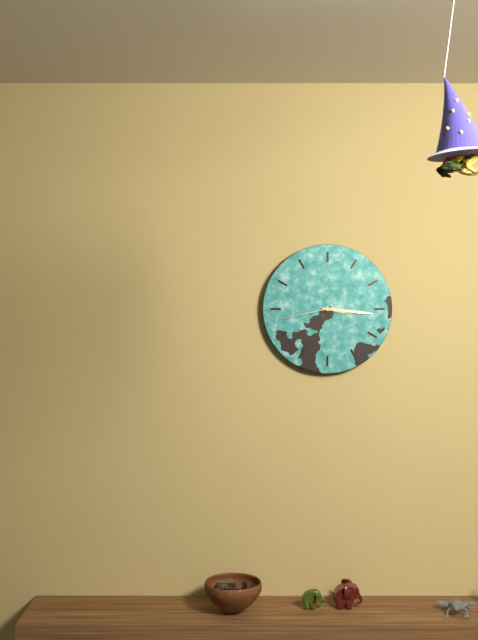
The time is 3:16:43
